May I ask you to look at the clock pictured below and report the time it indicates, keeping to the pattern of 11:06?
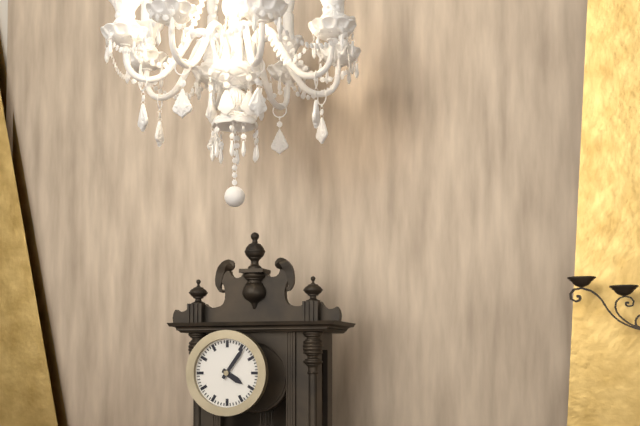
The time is 4:06
